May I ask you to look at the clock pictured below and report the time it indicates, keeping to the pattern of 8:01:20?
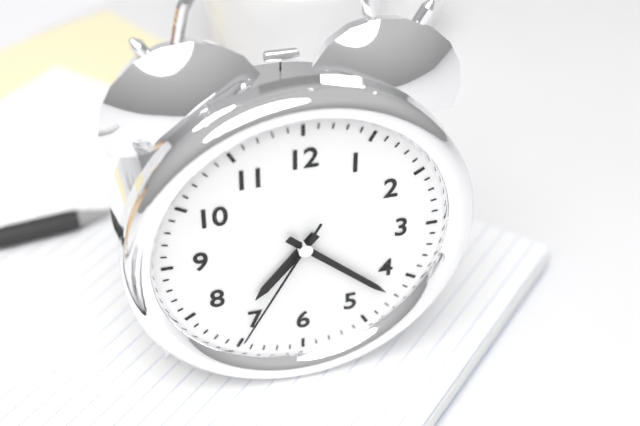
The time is 7:22:35
